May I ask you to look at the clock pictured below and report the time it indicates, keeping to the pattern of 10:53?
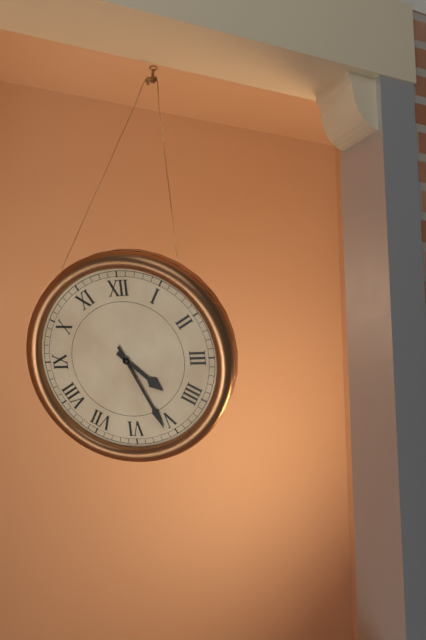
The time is 4:26
